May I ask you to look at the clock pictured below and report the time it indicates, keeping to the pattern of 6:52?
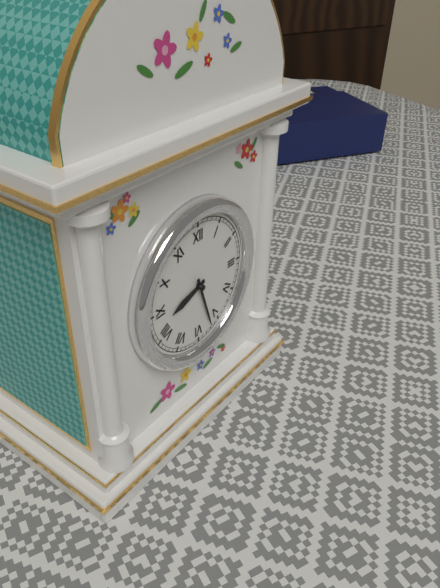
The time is 8:27
